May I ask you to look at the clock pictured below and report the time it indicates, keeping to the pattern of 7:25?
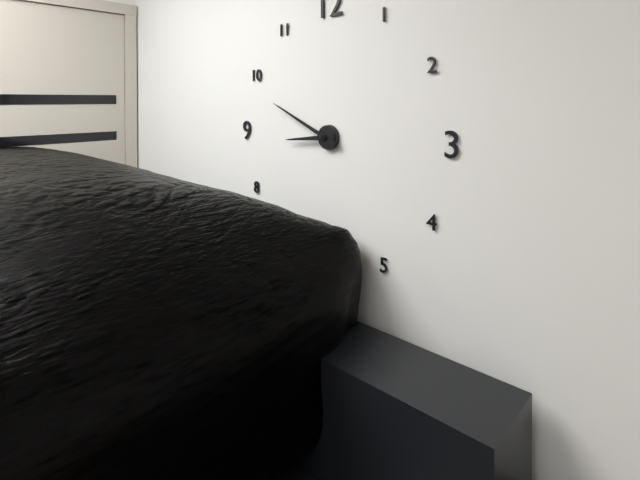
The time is 8:49
